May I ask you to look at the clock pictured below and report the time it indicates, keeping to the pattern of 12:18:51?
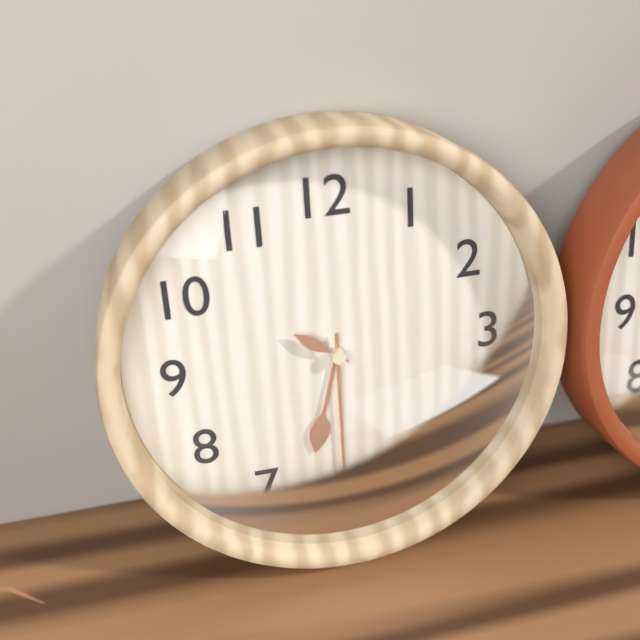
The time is 6:30:51
